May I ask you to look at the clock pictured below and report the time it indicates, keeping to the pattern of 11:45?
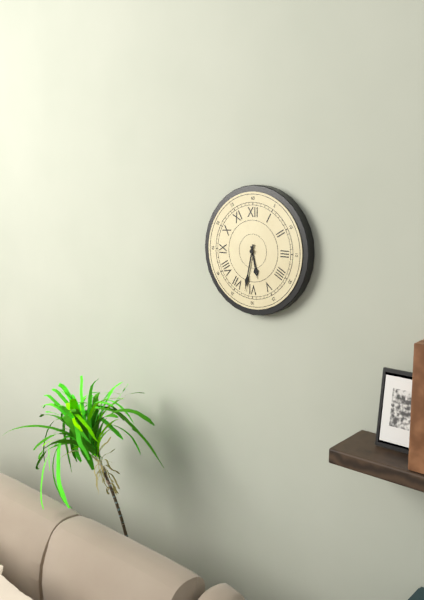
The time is 5:32
